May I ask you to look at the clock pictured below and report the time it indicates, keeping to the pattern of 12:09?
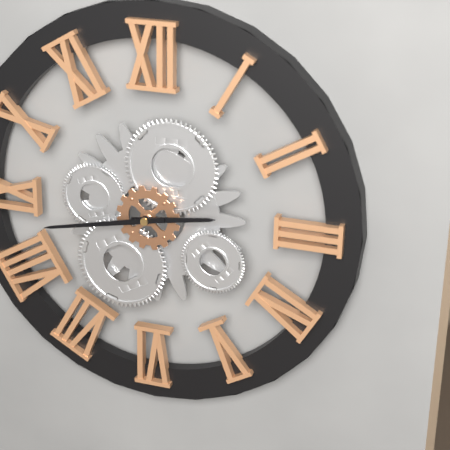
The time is 2:43
